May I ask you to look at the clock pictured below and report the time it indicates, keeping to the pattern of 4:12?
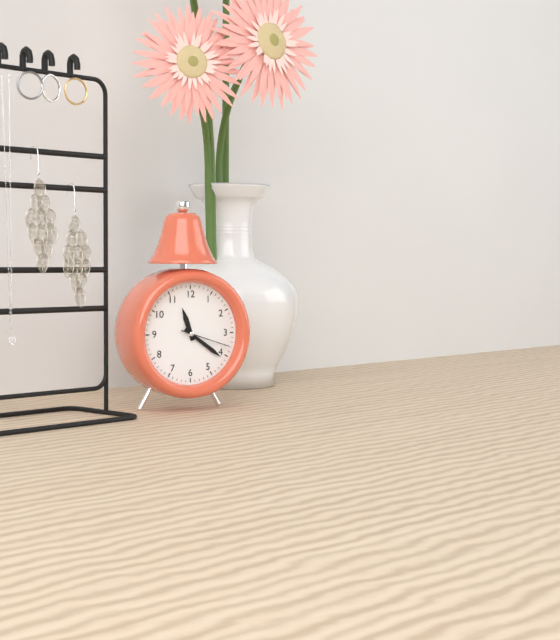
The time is 11:21
